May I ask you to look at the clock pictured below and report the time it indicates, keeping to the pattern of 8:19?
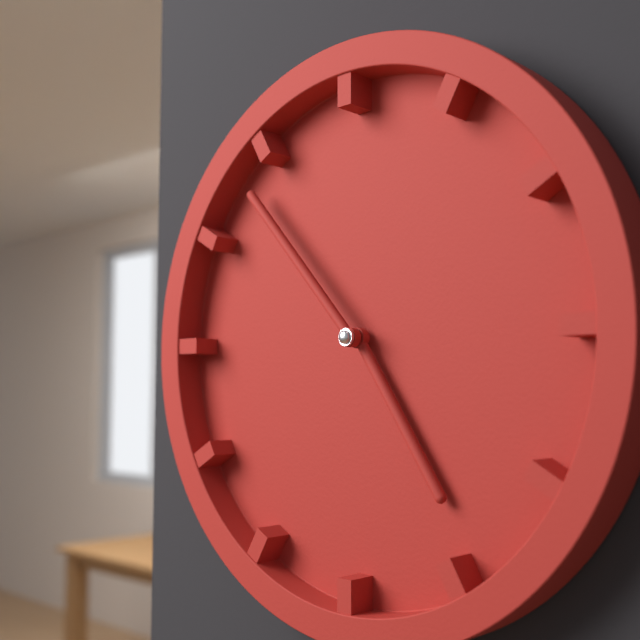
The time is 4:53
